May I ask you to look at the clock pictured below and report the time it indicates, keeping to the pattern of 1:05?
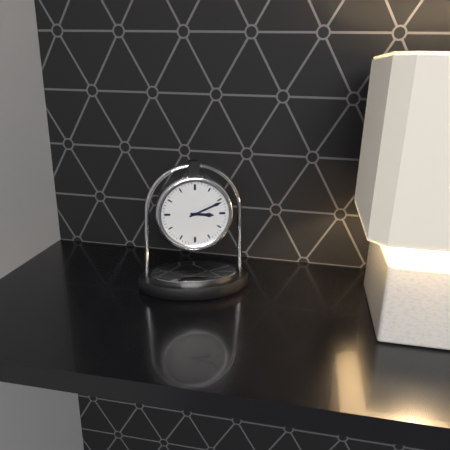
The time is 3:11
